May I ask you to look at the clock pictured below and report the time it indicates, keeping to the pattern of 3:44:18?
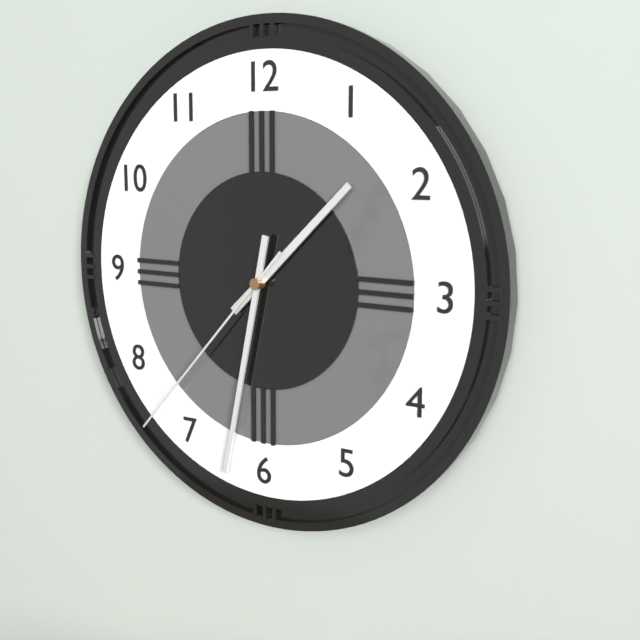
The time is 1:32:37
